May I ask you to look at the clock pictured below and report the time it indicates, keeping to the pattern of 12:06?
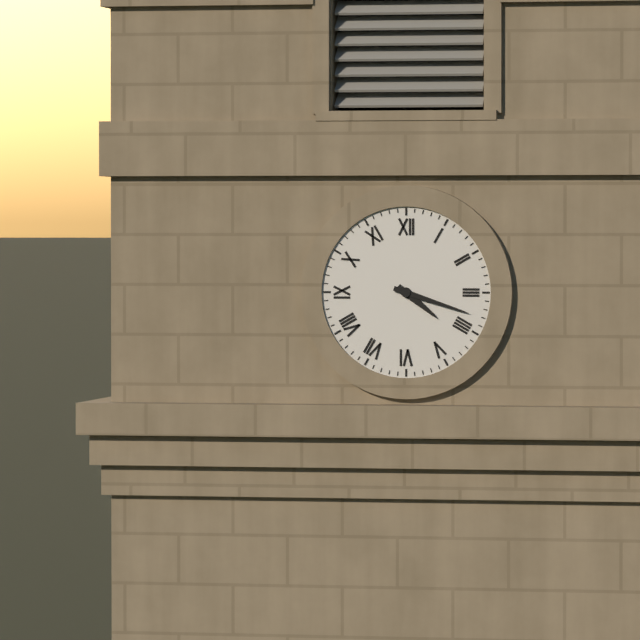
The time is 4:18
